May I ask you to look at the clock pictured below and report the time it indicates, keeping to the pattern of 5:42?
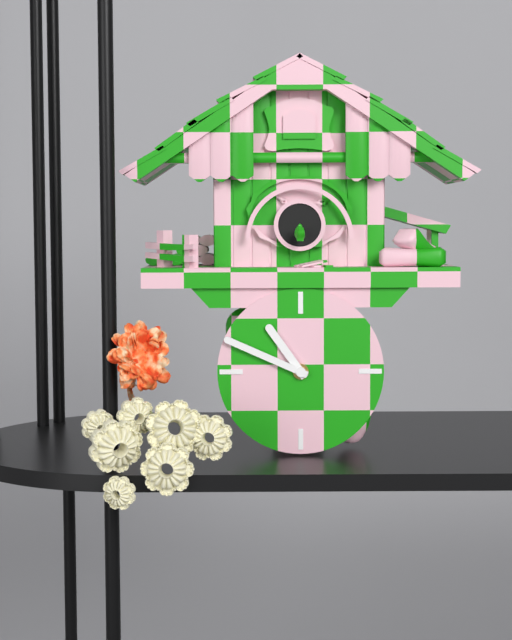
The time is 10:49
